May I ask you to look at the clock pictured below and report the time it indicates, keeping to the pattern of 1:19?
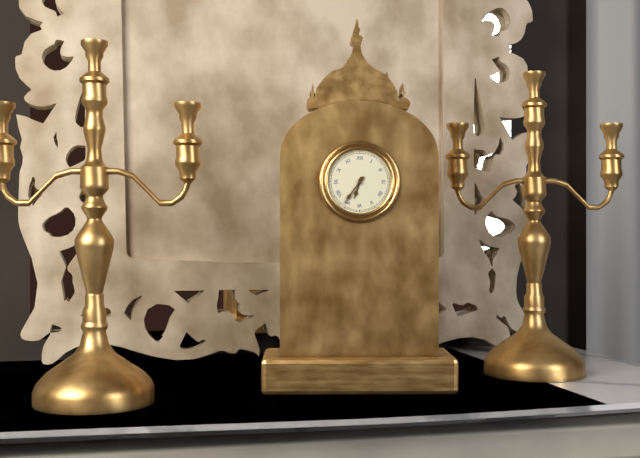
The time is 6:36
